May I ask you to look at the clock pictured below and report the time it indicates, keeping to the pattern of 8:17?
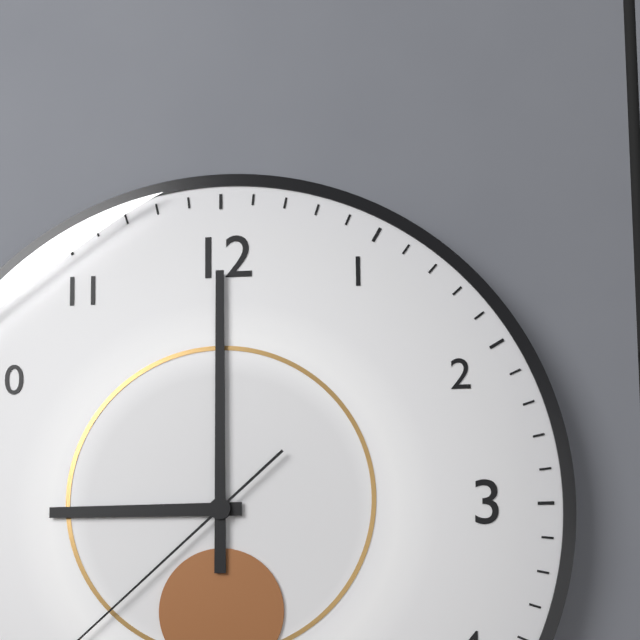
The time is 9:00
